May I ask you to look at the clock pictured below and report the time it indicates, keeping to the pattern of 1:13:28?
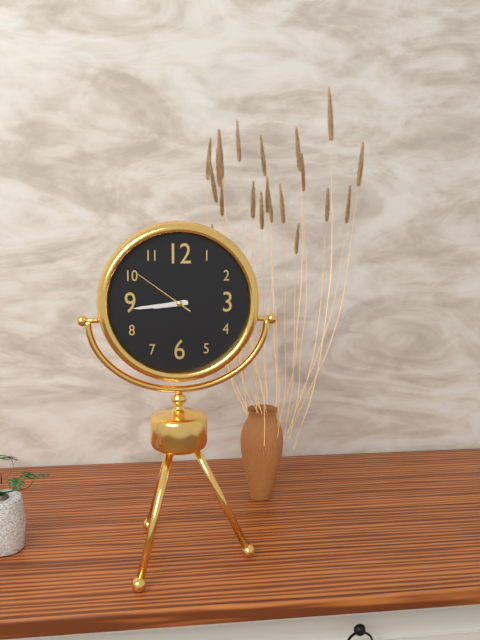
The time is 8:44:51
